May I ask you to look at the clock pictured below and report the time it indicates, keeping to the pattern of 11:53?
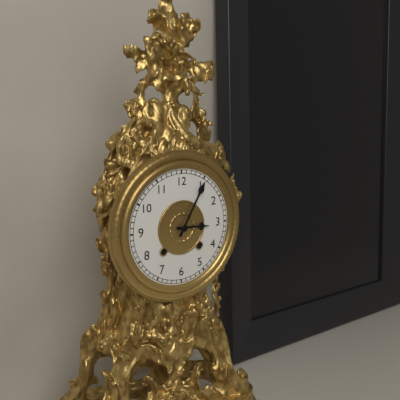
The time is 3:05
